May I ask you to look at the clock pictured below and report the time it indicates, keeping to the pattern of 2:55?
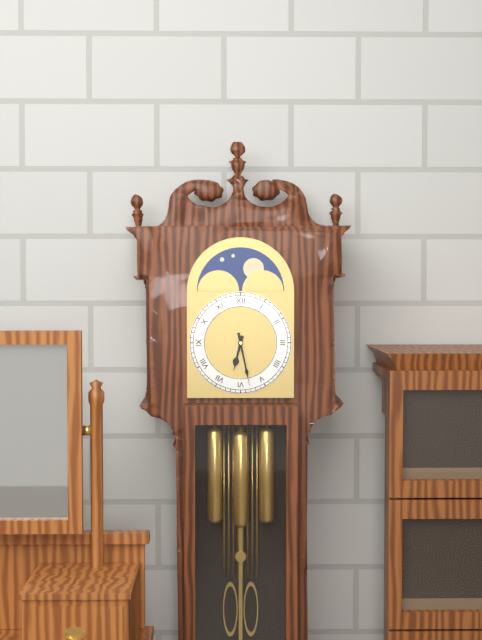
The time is 6:28
